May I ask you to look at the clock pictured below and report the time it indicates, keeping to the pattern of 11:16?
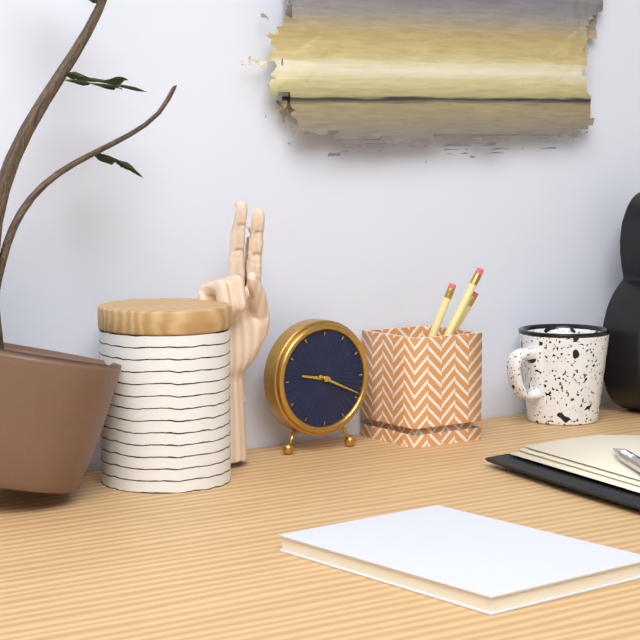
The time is 9:19
